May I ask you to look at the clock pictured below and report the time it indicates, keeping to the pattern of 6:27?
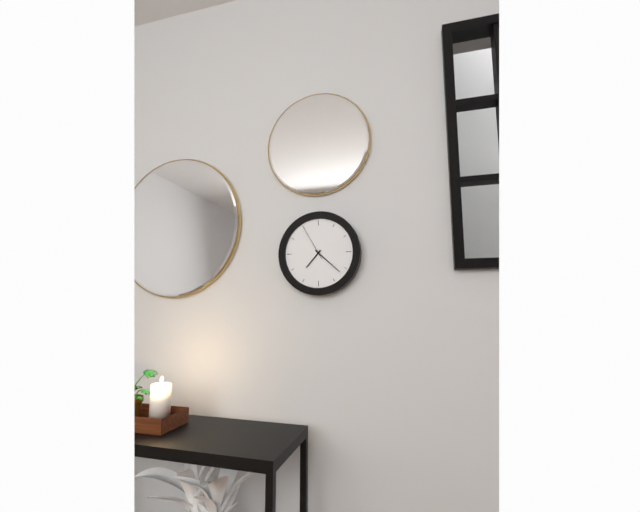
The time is 7:22
